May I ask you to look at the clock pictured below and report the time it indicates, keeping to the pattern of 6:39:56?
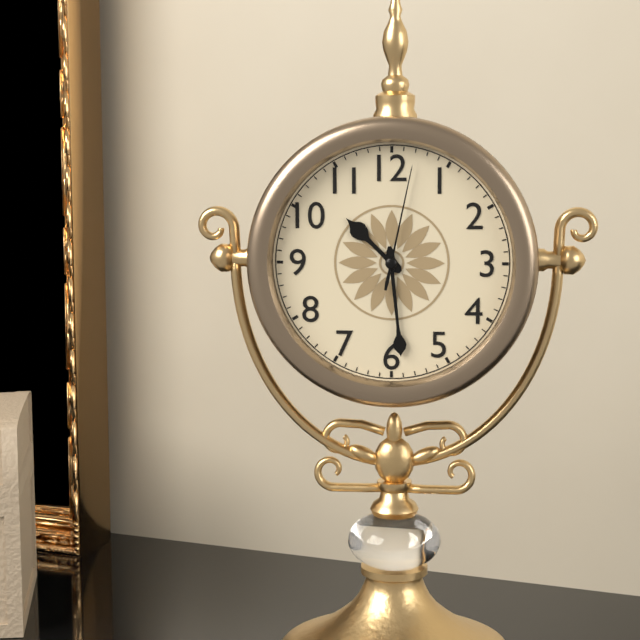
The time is 10:29:02
